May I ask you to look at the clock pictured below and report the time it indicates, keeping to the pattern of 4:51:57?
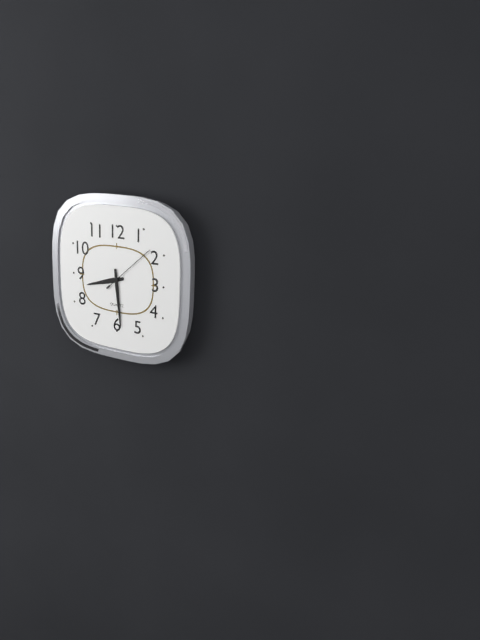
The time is 8:29:08
